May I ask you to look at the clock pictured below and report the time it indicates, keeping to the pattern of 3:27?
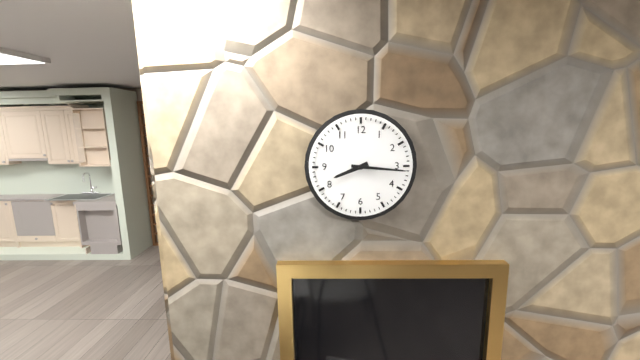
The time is 8:16
